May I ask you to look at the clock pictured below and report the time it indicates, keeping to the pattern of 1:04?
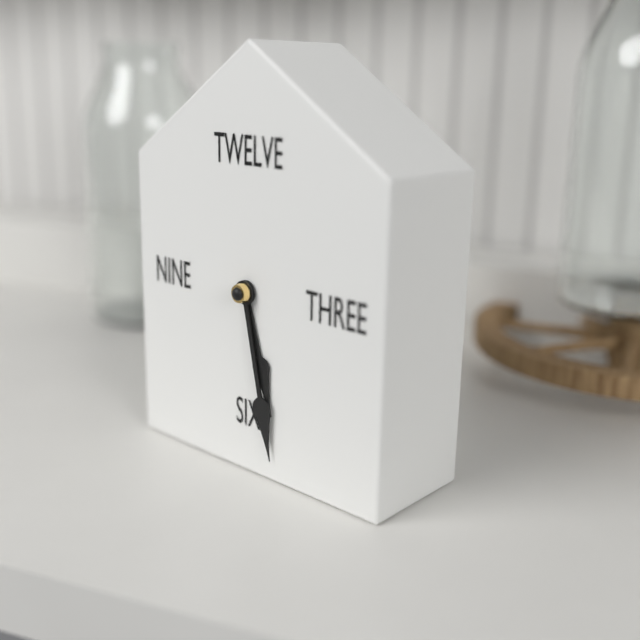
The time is 5:28
